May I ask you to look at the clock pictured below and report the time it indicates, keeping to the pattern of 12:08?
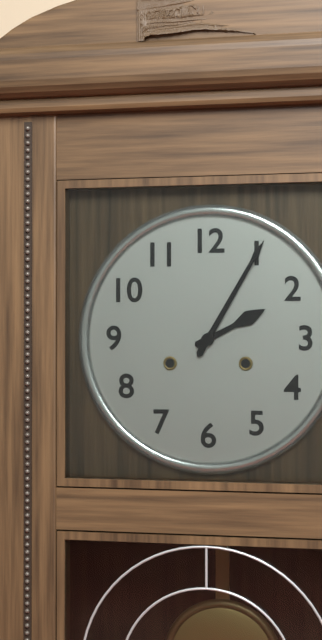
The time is 2:05
